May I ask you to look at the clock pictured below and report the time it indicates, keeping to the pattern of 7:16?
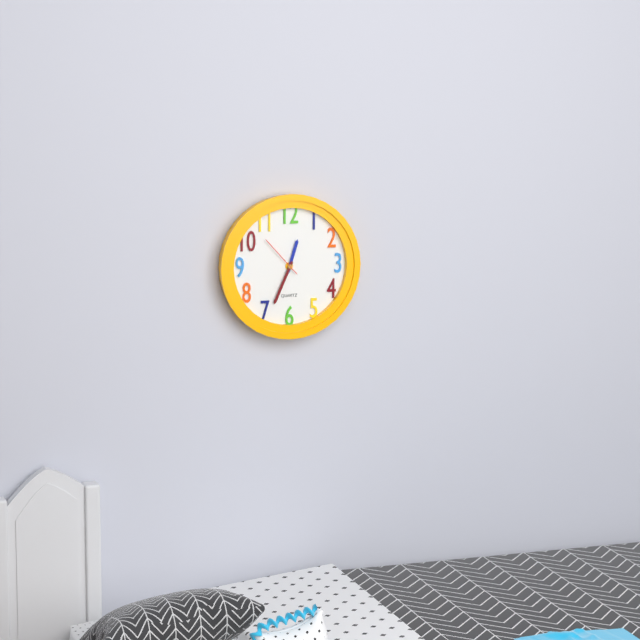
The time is 12:34
